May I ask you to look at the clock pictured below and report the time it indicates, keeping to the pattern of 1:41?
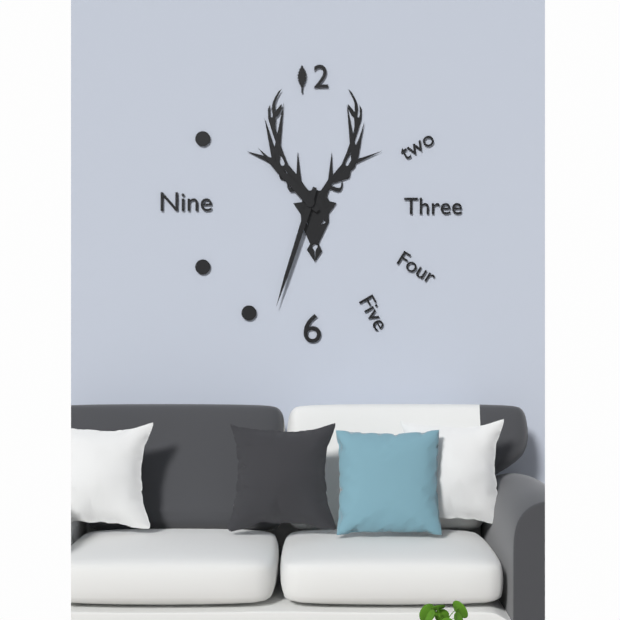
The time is 10:33
